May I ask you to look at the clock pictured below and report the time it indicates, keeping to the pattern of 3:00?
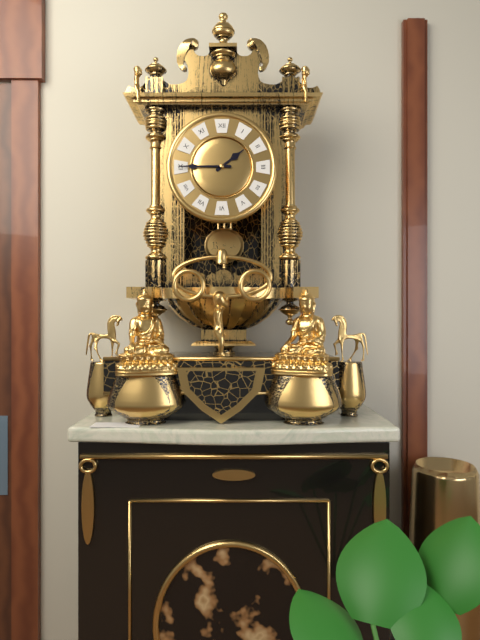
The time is 1:45
